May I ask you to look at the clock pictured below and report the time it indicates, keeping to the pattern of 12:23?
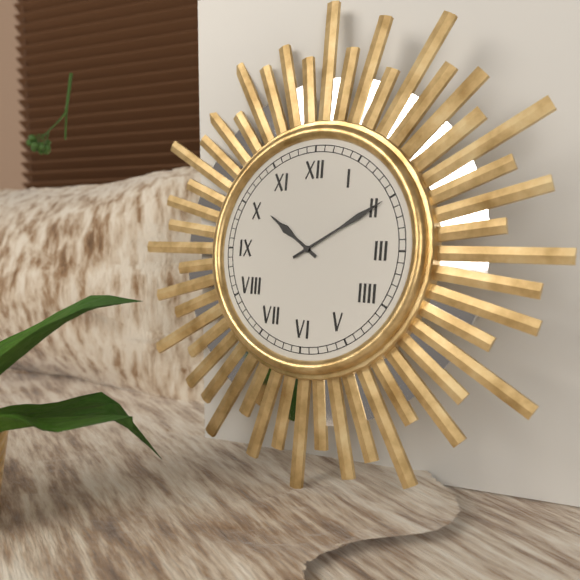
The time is 10:10
